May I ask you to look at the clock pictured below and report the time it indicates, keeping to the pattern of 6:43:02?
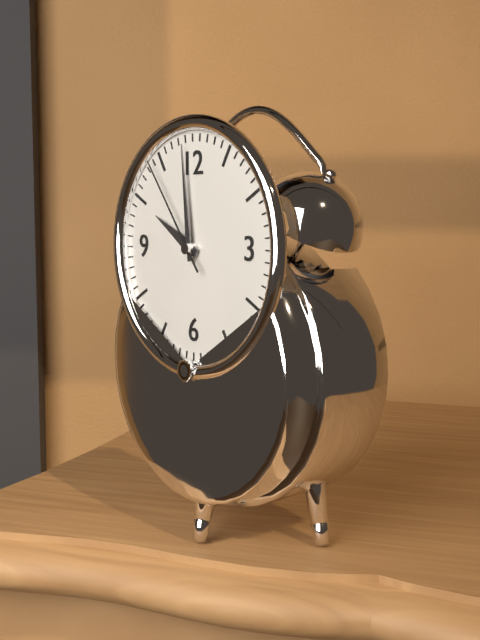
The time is 9:59:54
